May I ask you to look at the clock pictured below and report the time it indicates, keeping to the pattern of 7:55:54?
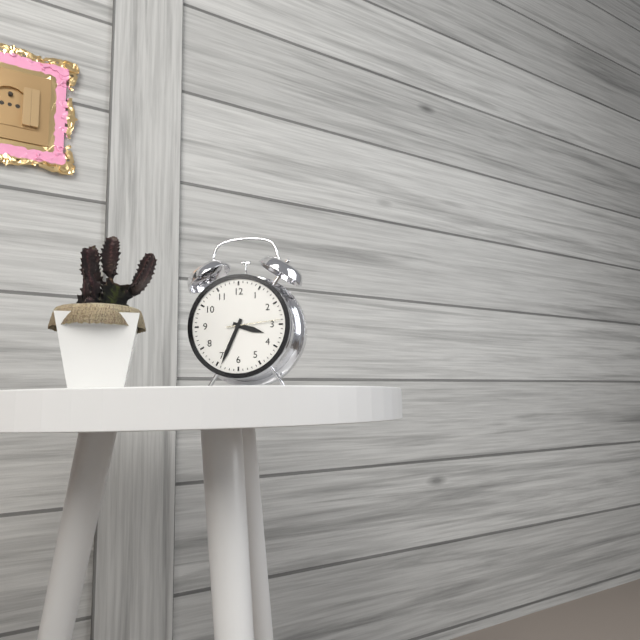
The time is 3:34:14
